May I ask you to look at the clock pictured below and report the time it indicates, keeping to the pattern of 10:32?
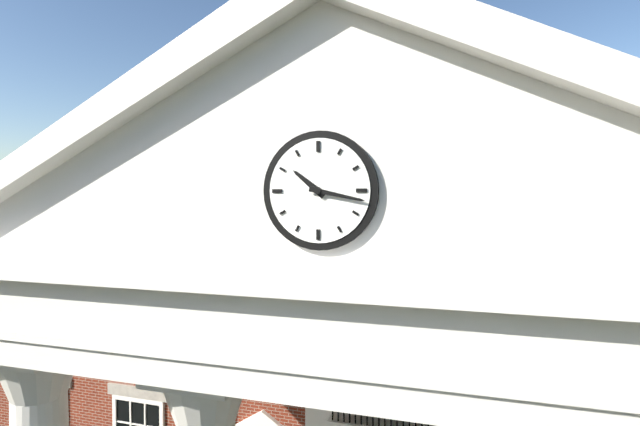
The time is 10:17
